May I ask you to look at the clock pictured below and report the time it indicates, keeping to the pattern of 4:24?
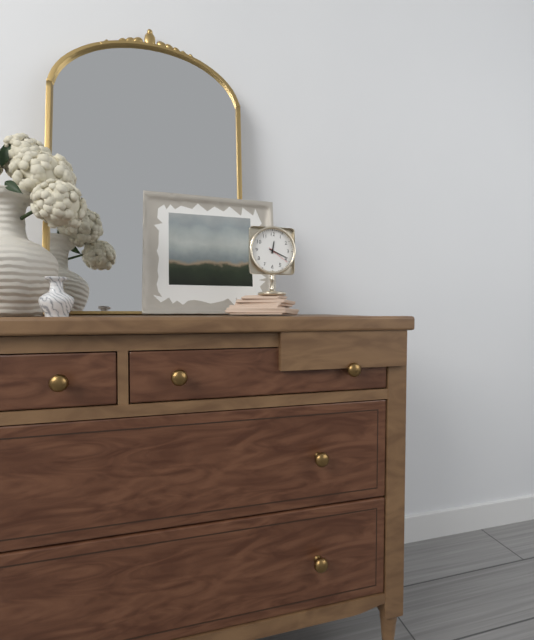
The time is 12:19
